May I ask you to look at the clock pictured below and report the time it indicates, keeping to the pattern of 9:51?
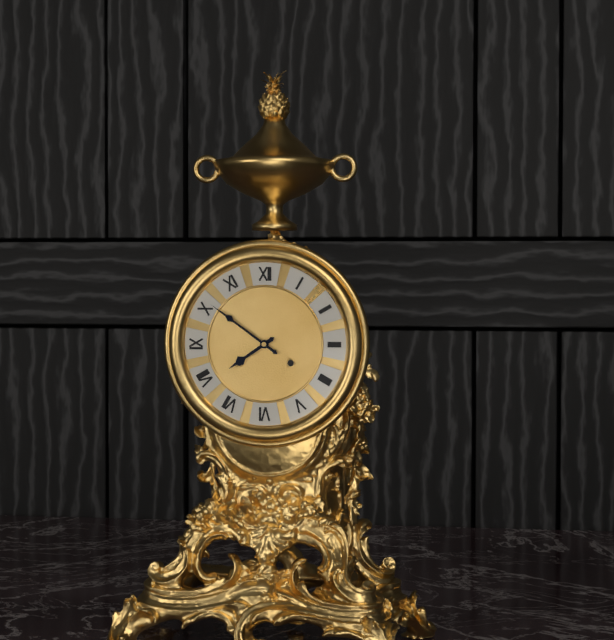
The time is 7:51
